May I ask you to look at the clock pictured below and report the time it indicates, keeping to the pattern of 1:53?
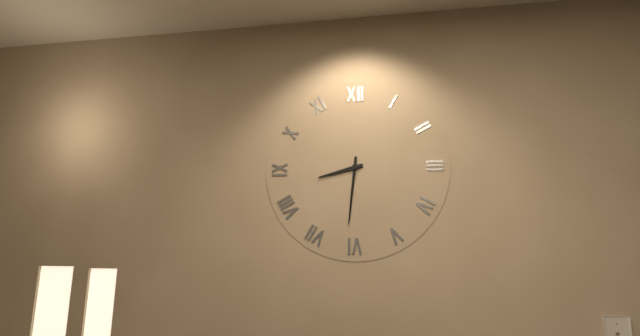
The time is 8:31
